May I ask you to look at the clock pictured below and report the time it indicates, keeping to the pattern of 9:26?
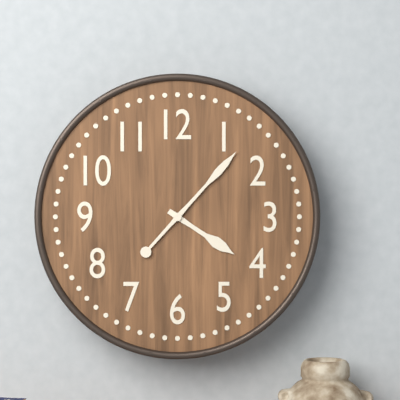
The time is 4:07
